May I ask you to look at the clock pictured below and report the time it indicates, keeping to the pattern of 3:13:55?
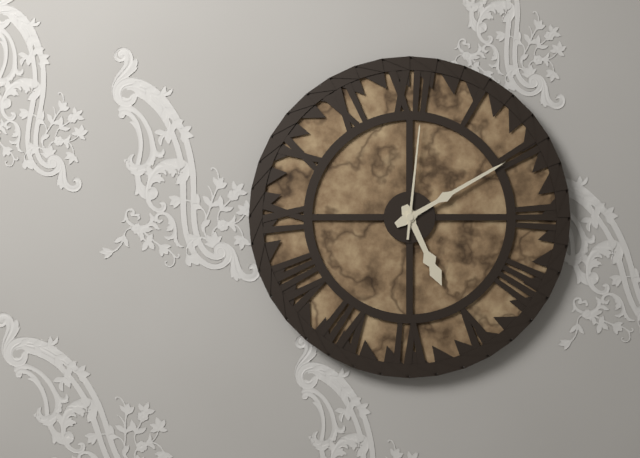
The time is 5:10:01
